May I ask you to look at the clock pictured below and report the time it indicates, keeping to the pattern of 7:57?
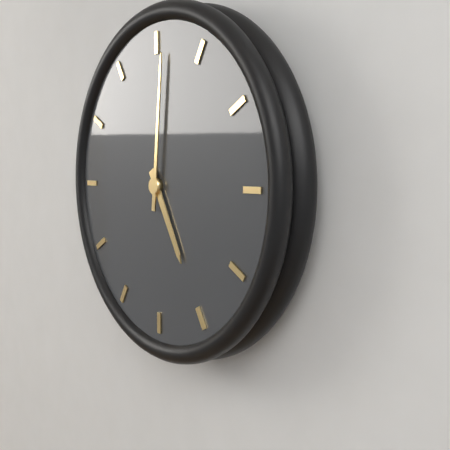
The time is 5:01
